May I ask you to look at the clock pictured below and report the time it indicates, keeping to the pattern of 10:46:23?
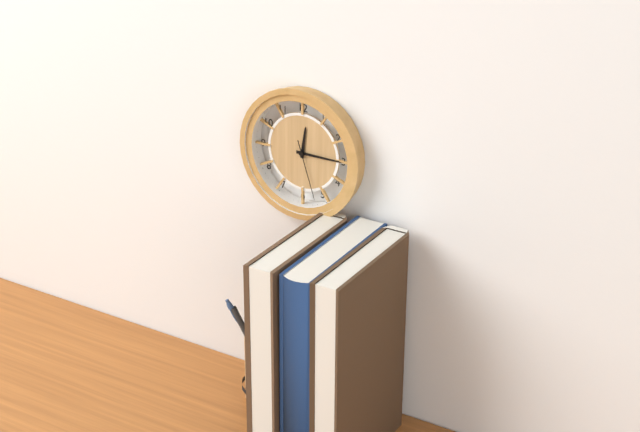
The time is 12:15:27
